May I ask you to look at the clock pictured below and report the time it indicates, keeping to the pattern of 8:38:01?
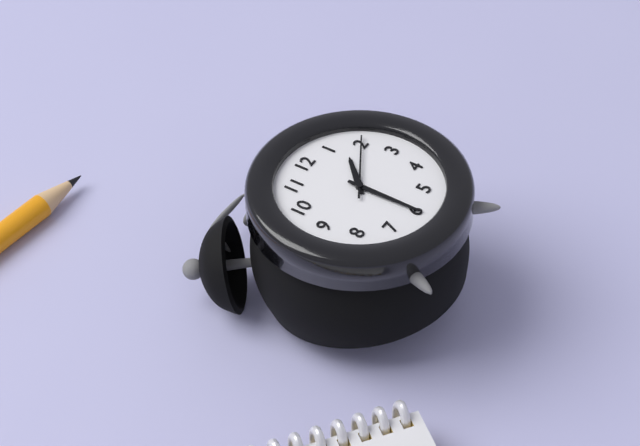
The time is 1:30:10
